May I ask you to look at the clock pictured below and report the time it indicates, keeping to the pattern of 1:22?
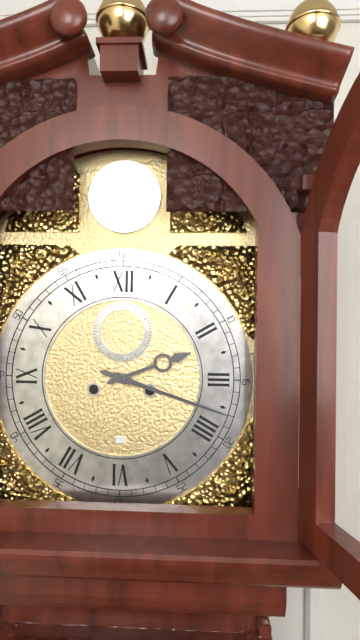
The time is 2:18
